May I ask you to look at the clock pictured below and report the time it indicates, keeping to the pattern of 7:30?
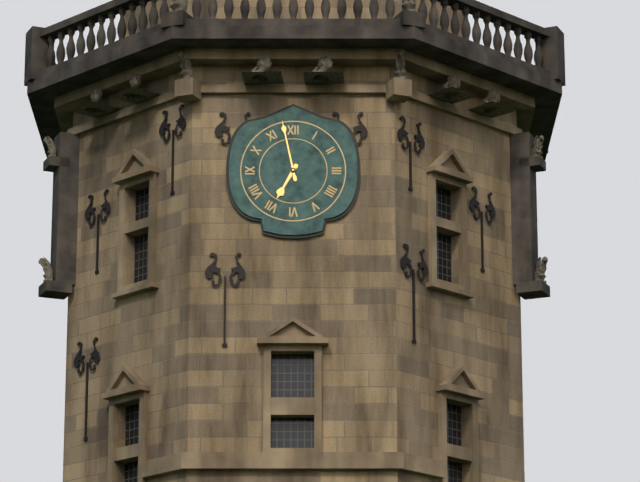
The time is 6:58
